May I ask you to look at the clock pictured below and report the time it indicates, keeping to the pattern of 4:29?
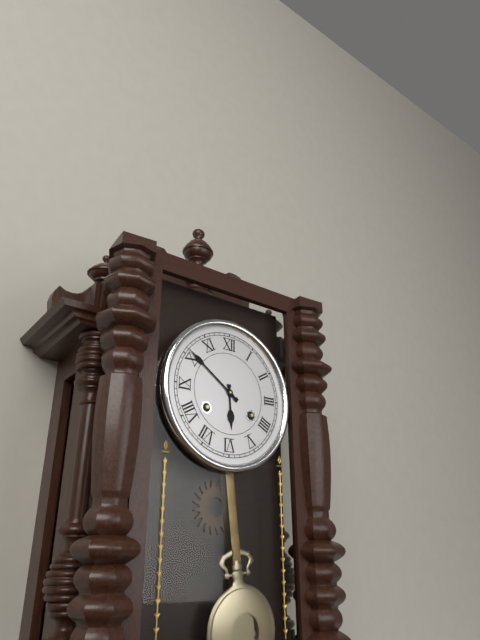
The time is 5:51
